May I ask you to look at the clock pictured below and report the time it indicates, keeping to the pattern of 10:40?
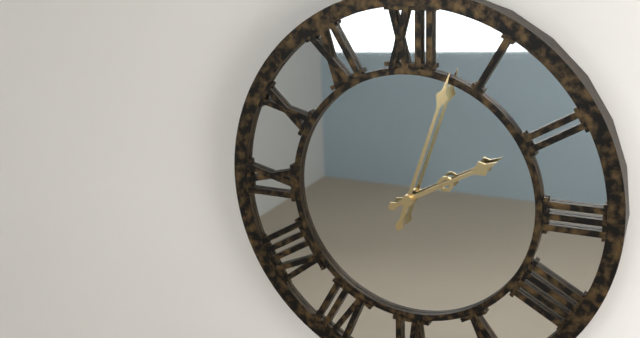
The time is 2:03
